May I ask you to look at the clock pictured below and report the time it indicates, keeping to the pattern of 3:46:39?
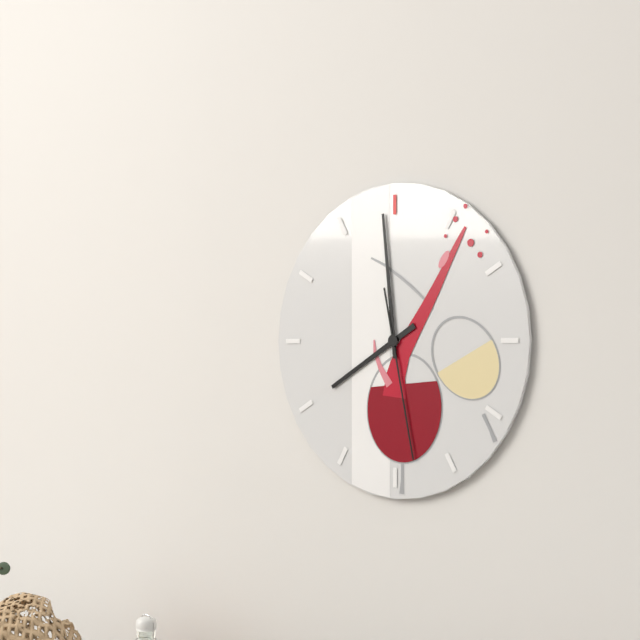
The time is 7:59:28
